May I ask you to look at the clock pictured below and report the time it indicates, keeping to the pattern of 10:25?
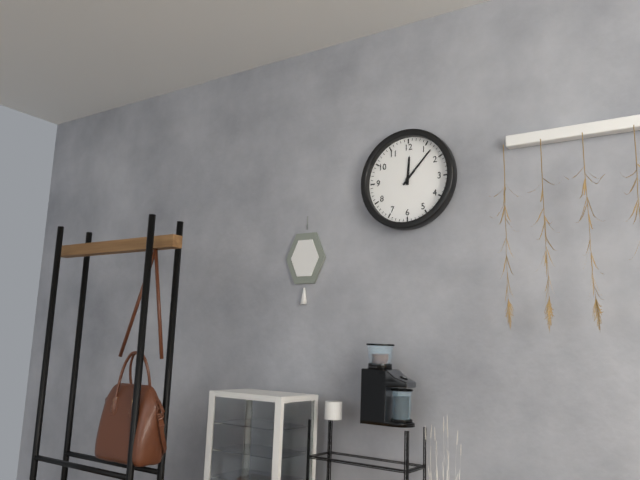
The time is 12:07
